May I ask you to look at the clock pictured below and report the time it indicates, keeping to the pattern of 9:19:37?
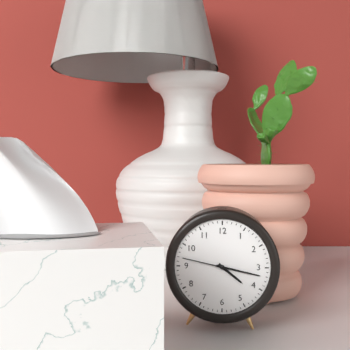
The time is 4:17:47
